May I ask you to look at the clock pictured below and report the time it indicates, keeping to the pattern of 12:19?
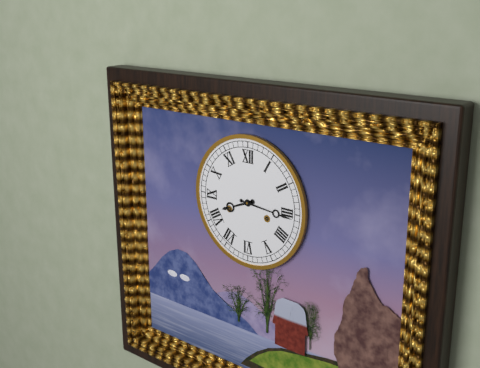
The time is 8:16
